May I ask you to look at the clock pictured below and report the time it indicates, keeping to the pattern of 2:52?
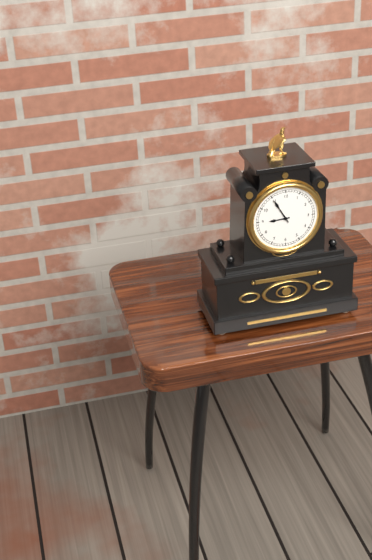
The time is 8:55
